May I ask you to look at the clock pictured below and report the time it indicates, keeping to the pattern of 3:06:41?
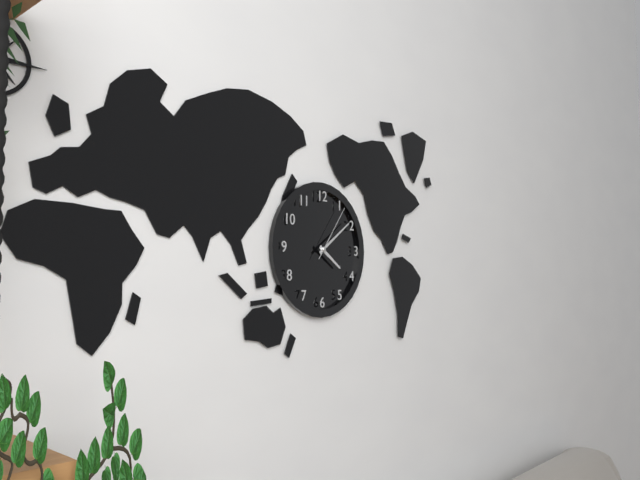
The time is 4:09:06
